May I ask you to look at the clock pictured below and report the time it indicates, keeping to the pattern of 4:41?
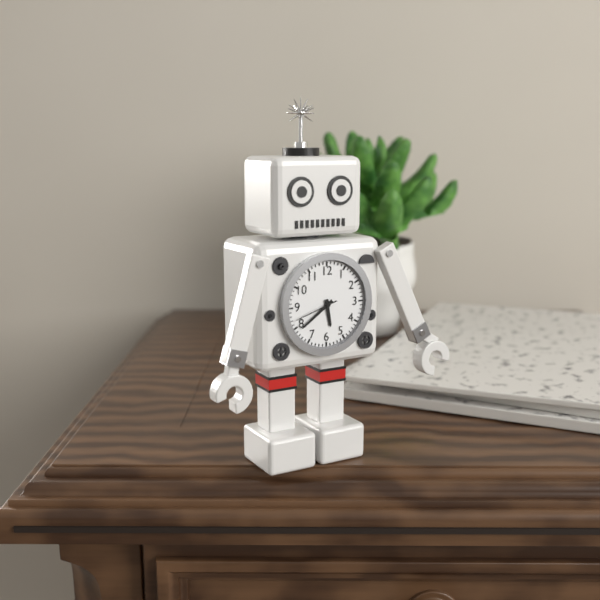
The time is 5:39
